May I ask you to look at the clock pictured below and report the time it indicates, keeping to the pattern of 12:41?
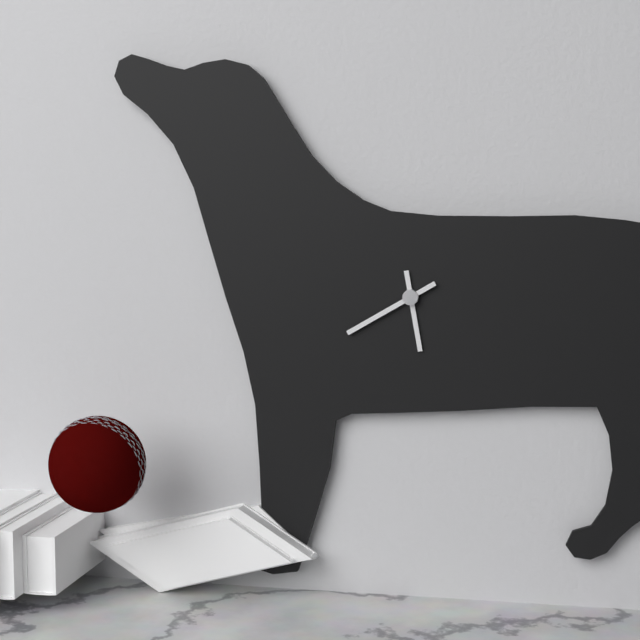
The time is 5:40
